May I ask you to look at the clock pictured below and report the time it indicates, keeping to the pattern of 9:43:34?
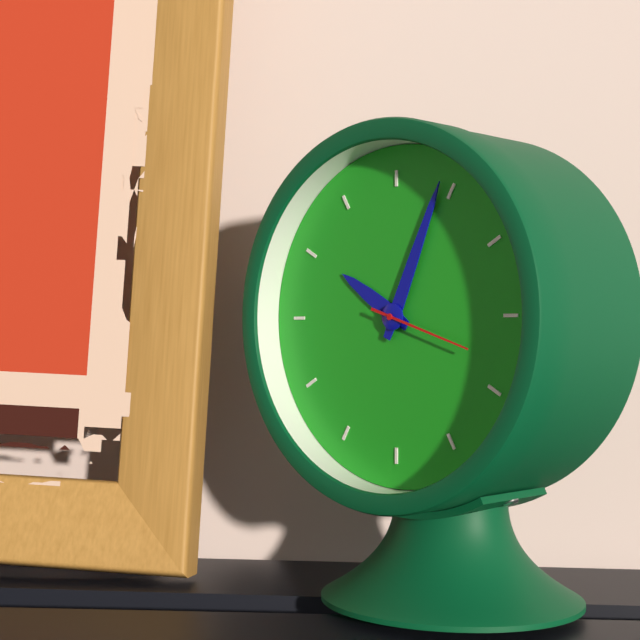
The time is 10:04:18
